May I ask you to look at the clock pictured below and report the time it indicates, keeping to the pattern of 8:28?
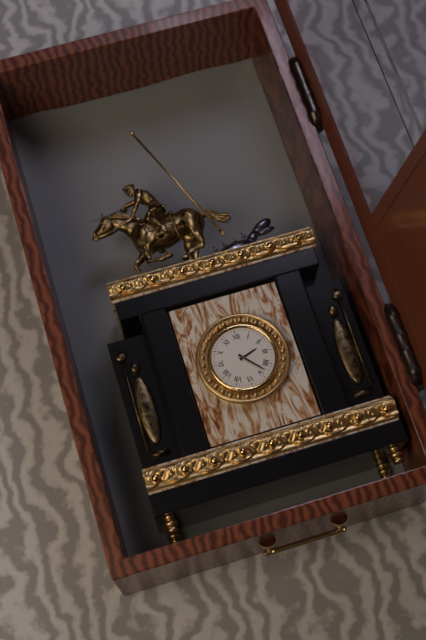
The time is 2:23
